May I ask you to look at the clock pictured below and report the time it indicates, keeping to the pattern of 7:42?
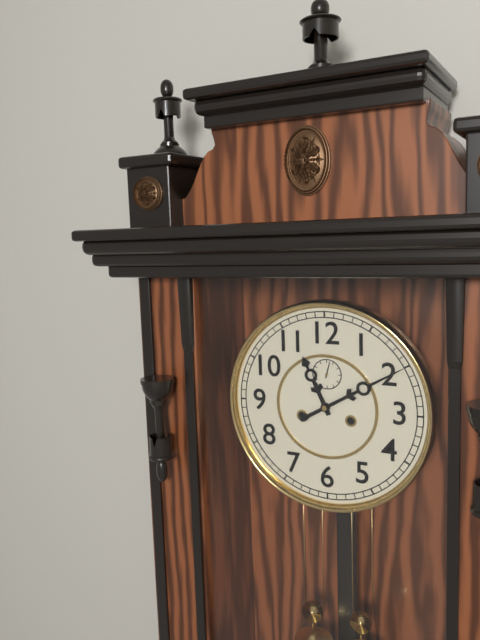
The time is 11:10
